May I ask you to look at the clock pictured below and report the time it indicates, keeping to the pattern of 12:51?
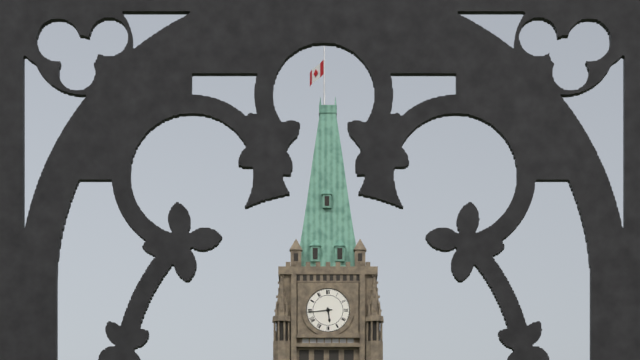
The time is 5:44
